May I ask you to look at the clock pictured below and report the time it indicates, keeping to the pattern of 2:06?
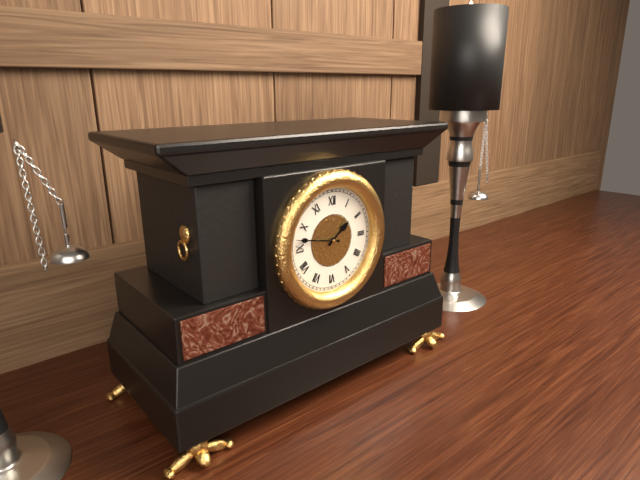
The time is 1:47
